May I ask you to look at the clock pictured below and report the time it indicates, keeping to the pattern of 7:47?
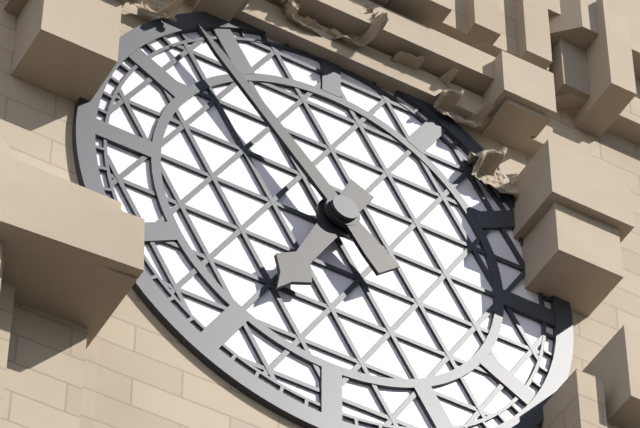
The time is 6:53
